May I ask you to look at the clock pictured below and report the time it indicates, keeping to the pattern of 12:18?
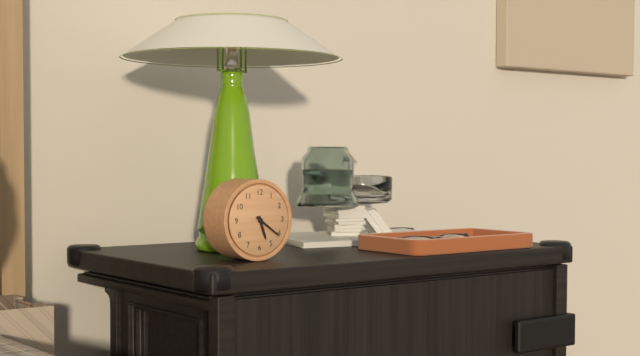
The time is 5:21
